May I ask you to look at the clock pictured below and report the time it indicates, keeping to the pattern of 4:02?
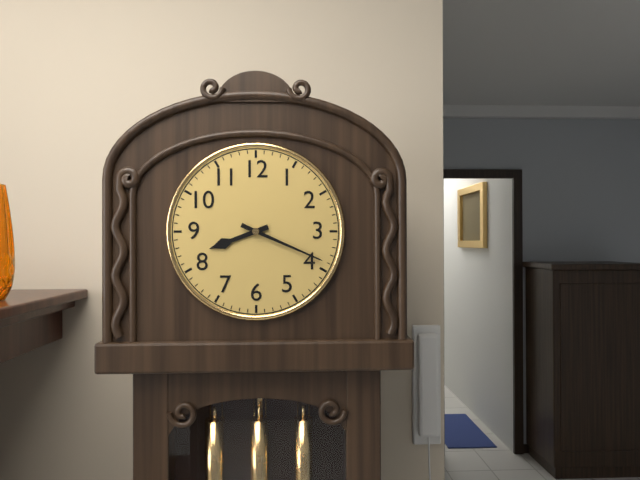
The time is 8:19
